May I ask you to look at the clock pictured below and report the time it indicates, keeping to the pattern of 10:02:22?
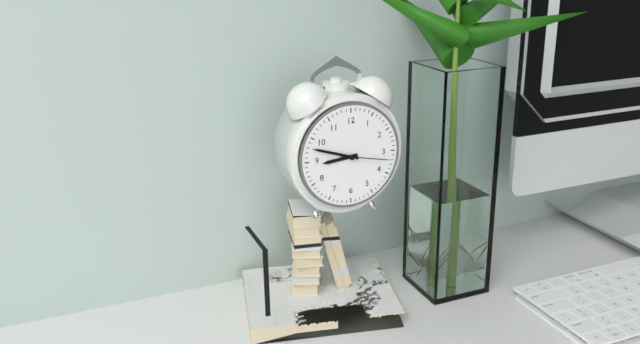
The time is 8:48:17
